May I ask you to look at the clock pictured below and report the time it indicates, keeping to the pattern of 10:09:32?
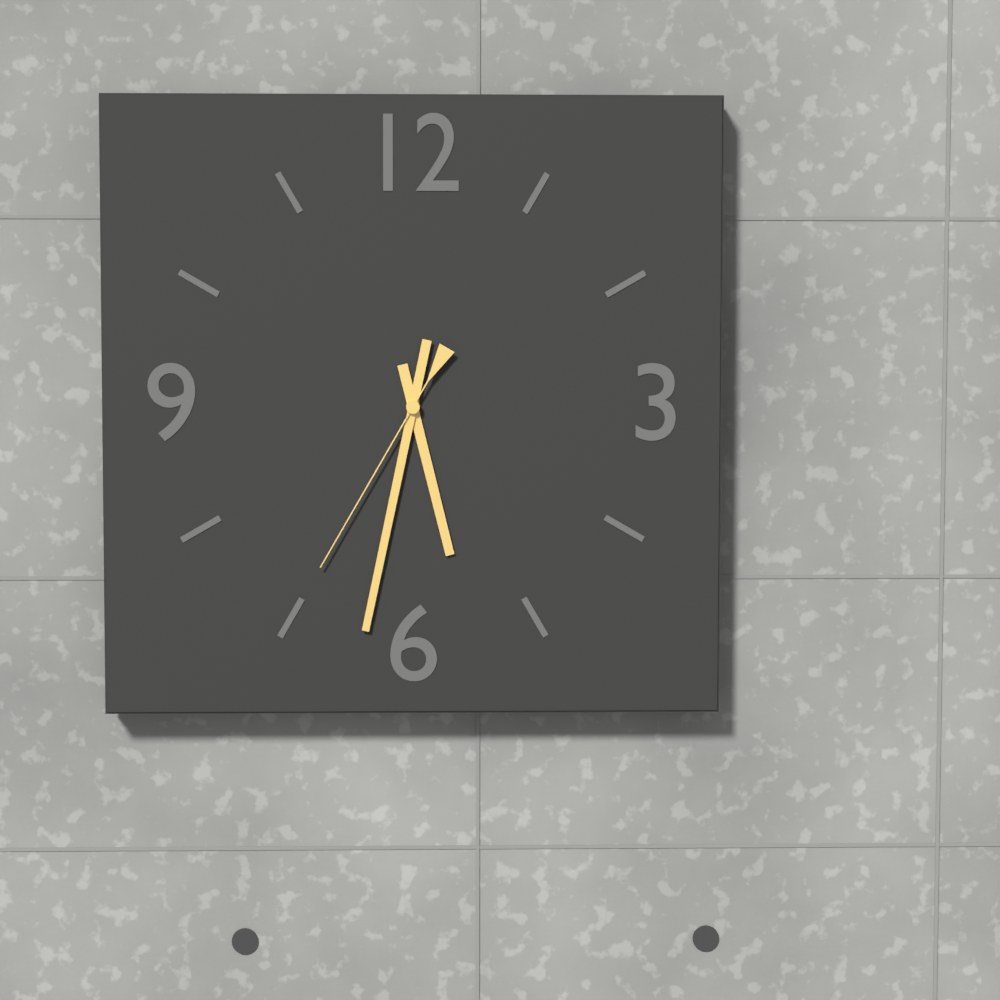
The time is 5:32:35
